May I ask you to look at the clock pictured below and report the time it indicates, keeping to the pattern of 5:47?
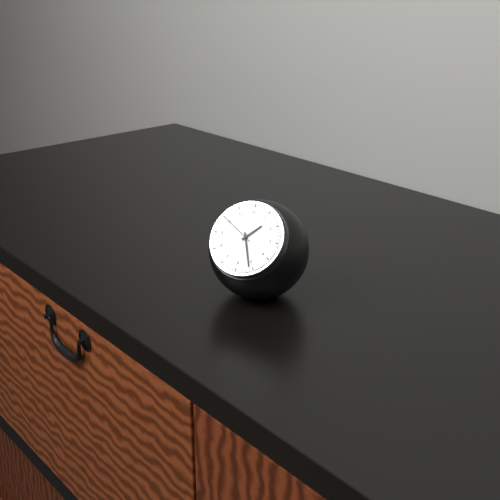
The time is 1:26
